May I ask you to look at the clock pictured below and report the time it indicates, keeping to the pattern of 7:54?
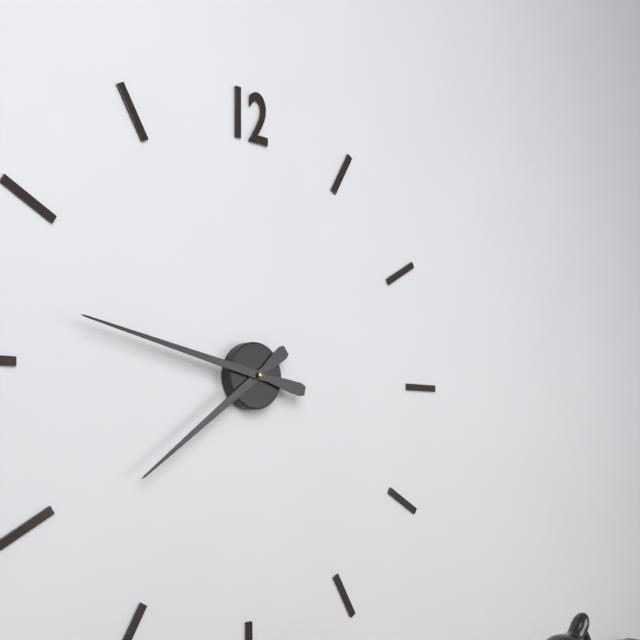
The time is 7:47
